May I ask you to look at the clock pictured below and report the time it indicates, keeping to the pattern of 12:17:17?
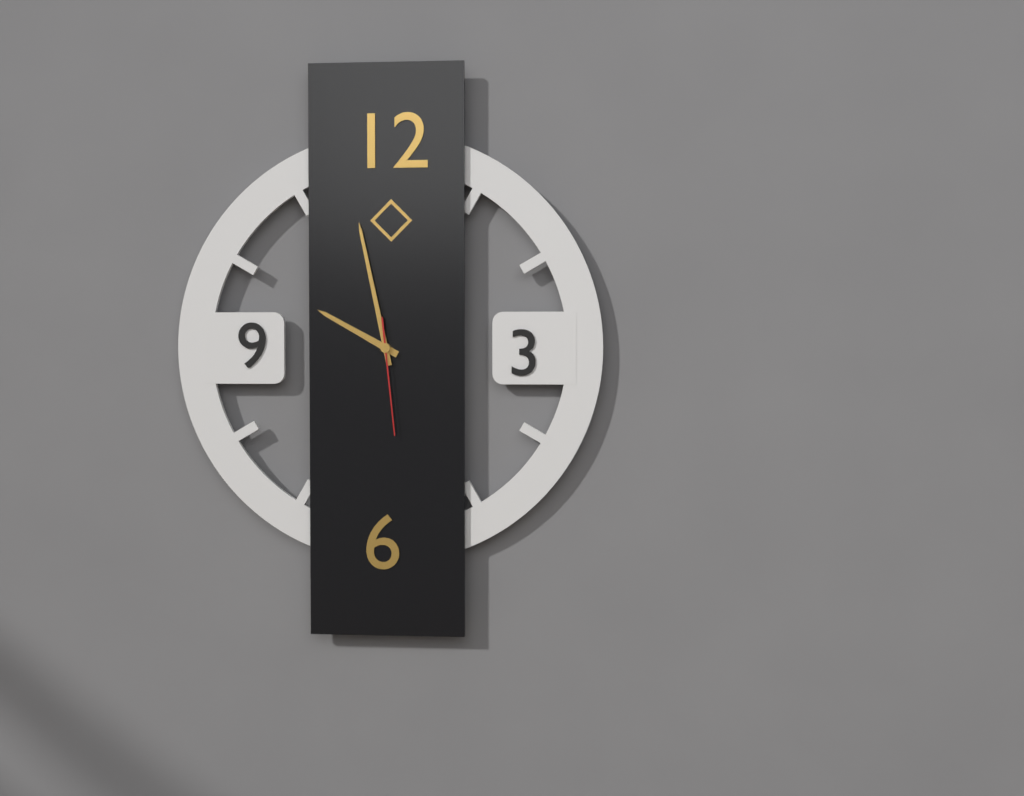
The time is 9:58:29
